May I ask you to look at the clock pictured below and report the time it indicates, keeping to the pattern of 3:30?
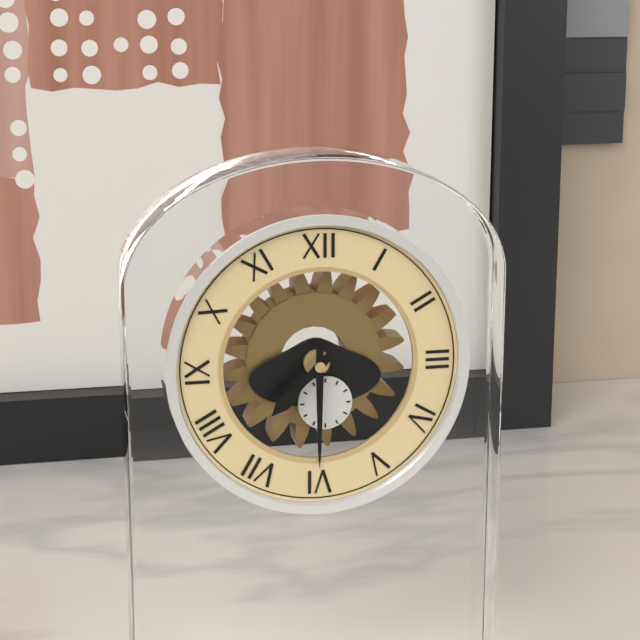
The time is 7:30
